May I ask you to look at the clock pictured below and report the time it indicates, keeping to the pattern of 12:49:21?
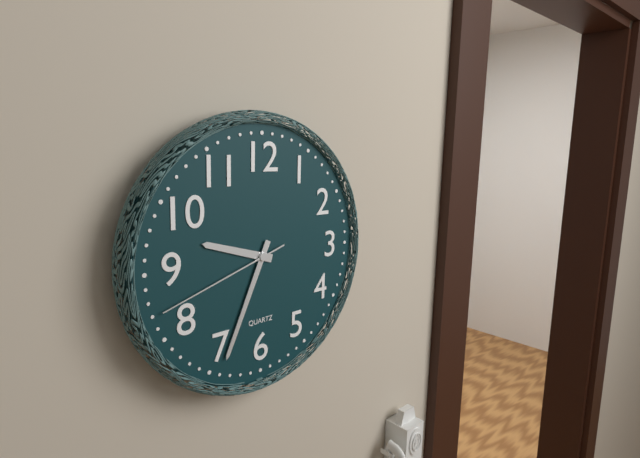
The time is 9:34:42
